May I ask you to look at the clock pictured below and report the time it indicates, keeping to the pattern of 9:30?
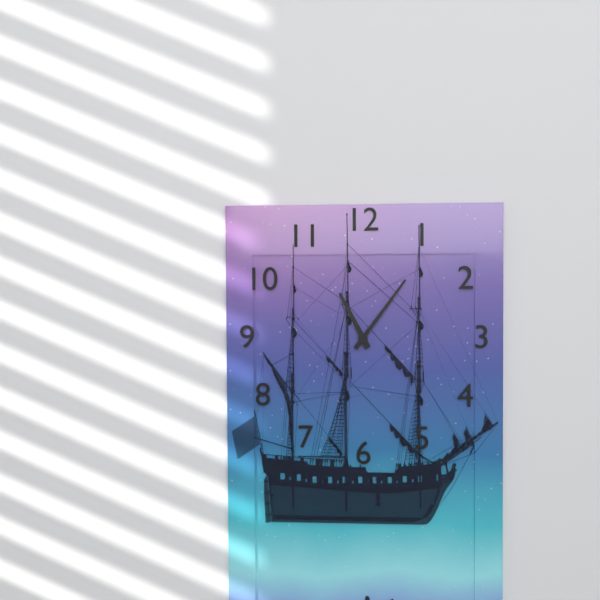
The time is 11:06
